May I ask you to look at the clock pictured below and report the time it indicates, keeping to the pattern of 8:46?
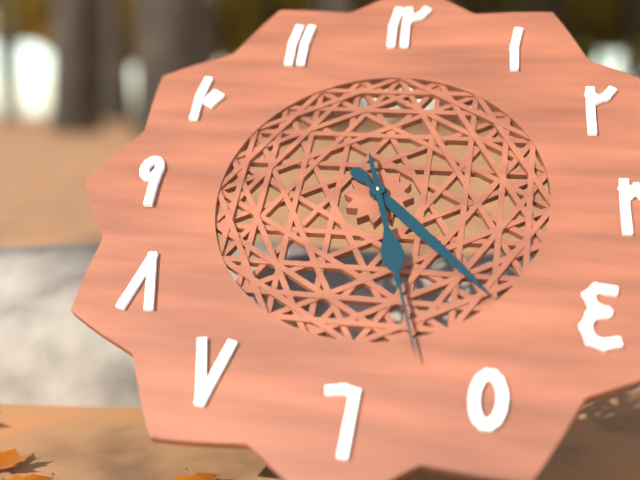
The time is 4:27
